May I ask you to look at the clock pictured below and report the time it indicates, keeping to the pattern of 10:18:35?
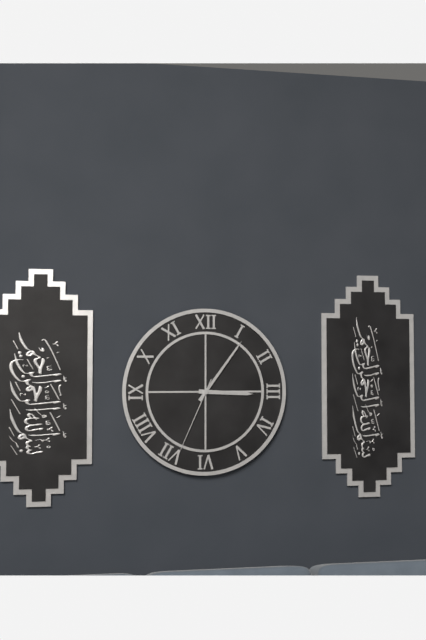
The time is 3:06:34
